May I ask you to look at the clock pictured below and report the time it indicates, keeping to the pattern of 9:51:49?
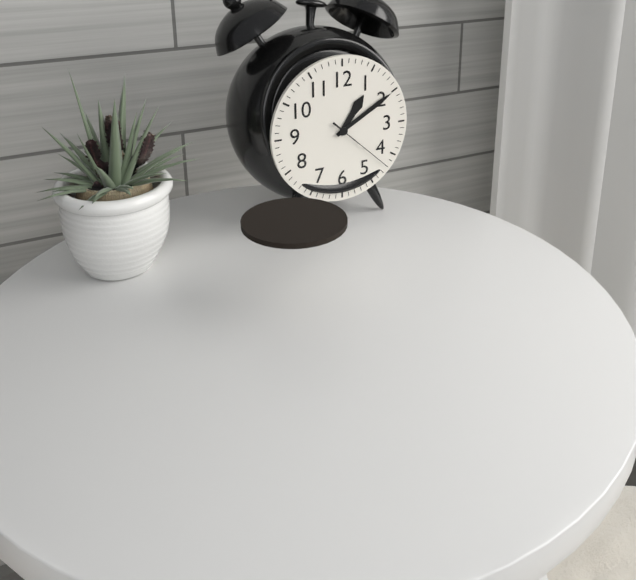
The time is 1:10:22
